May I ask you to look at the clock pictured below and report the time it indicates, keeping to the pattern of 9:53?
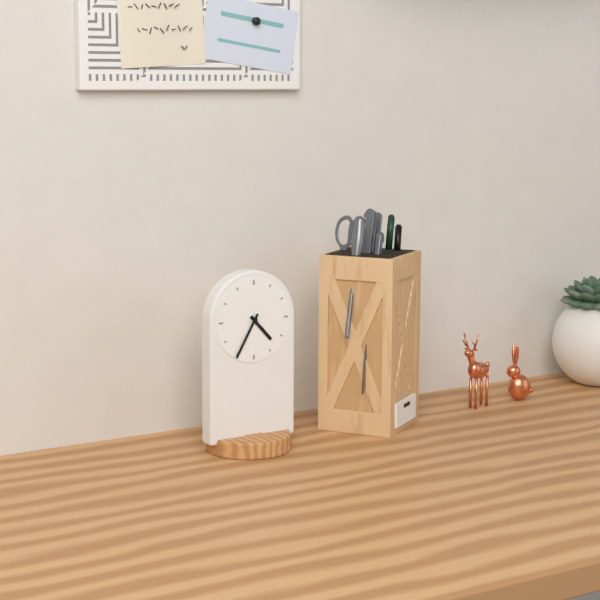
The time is 4:35
